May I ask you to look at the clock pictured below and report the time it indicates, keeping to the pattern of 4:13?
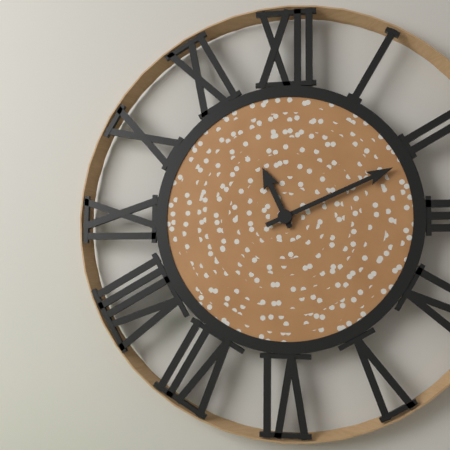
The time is 11:11
